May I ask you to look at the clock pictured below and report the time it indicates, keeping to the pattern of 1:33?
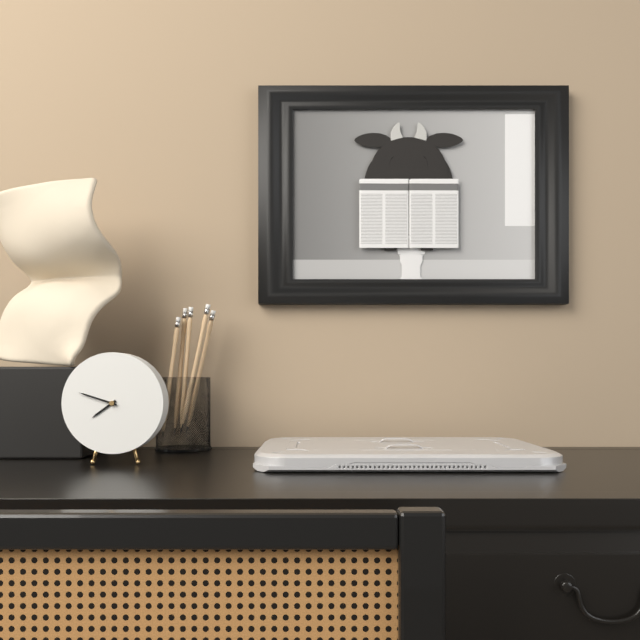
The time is 7:48
